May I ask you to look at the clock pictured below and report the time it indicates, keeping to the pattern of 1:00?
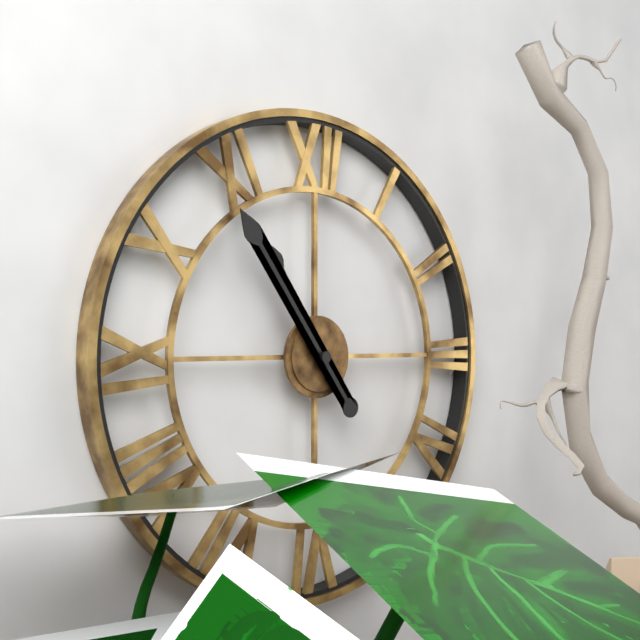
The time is 10:54
